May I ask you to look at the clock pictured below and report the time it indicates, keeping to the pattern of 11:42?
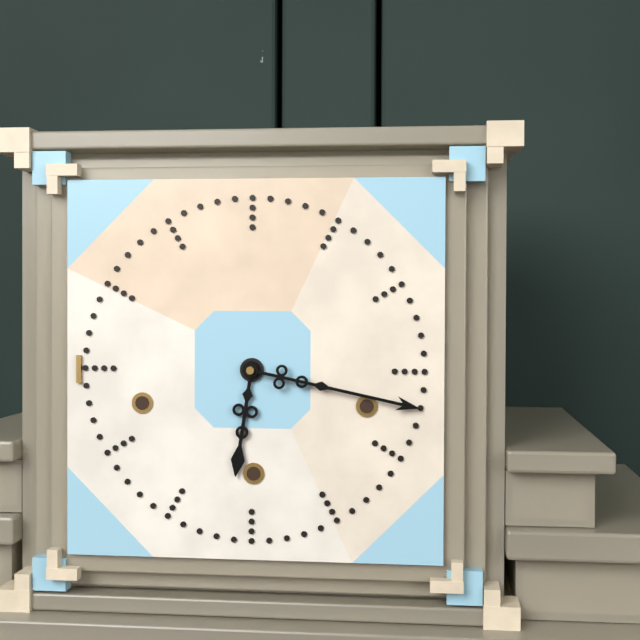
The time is 6:17
